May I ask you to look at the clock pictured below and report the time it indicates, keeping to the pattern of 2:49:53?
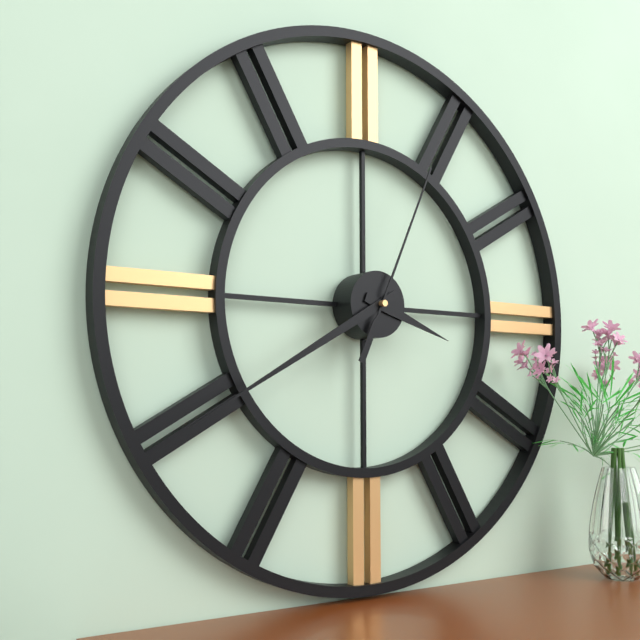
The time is 3:40:04
